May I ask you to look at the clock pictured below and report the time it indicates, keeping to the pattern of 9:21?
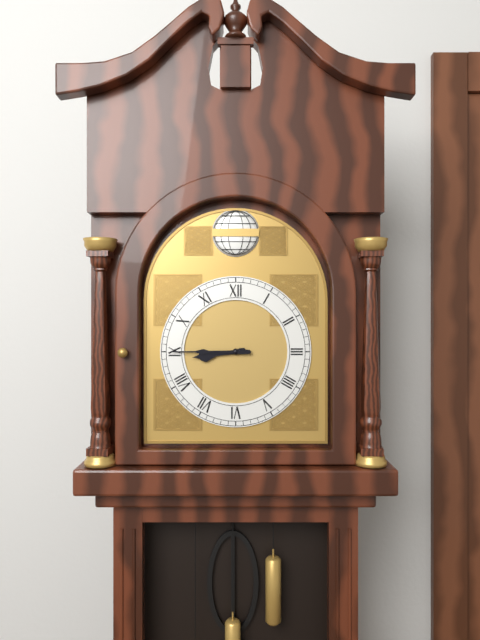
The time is 8:45
